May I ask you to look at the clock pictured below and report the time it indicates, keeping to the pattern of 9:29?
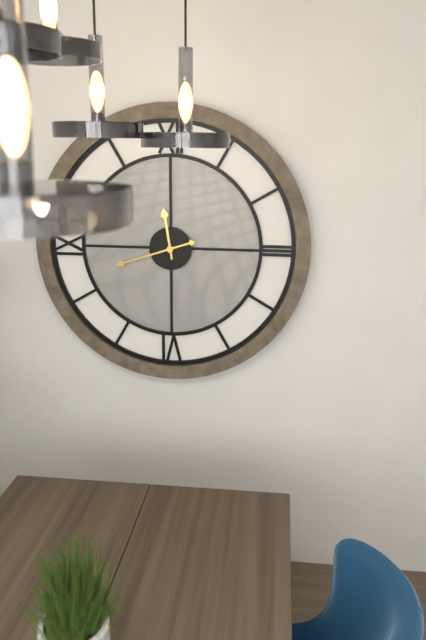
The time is 11:42
